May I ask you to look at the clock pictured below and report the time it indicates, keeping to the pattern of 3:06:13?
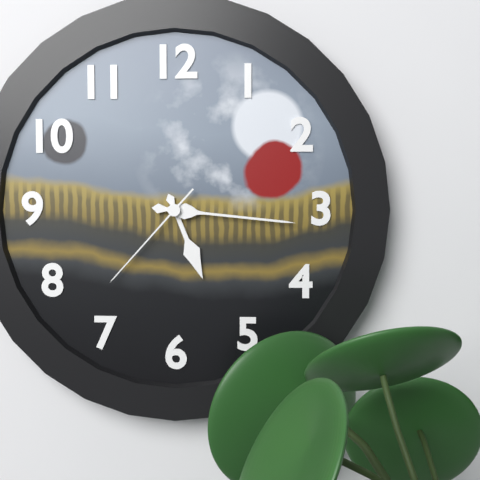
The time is 5:16:37
